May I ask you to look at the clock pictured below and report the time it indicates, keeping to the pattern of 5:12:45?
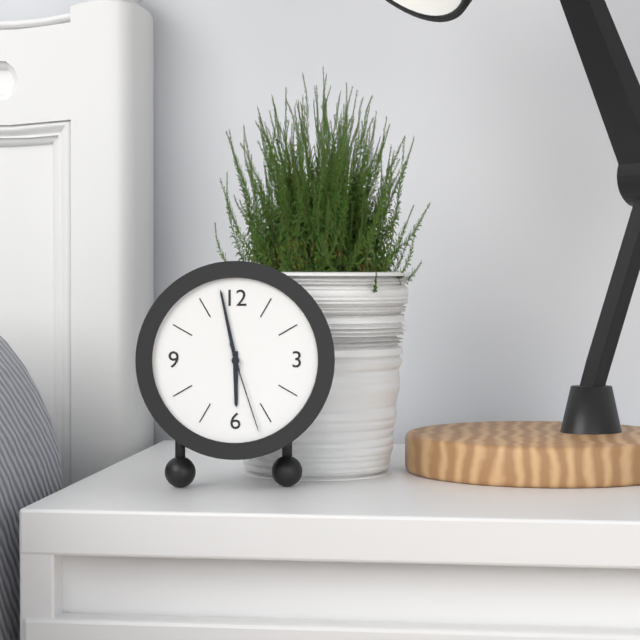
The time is 5:58:27
